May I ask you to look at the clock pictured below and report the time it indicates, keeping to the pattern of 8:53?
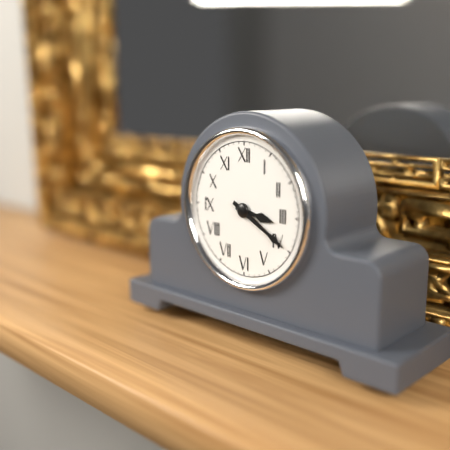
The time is 3:20
